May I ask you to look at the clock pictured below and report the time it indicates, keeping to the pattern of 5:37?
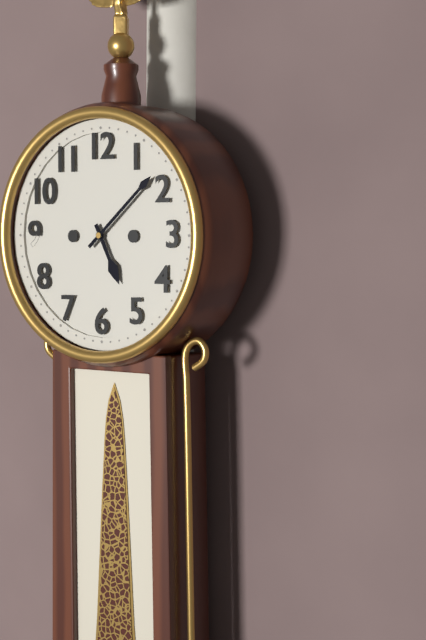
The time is 5:08
